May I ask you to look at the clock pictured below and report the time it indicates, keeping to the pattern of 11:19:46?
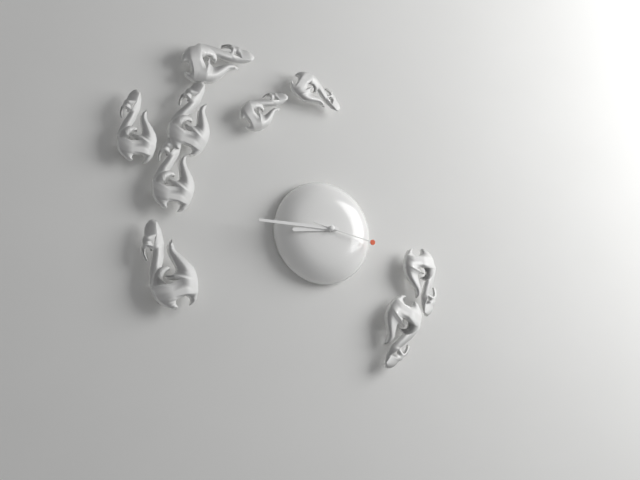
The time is 8:45:17
